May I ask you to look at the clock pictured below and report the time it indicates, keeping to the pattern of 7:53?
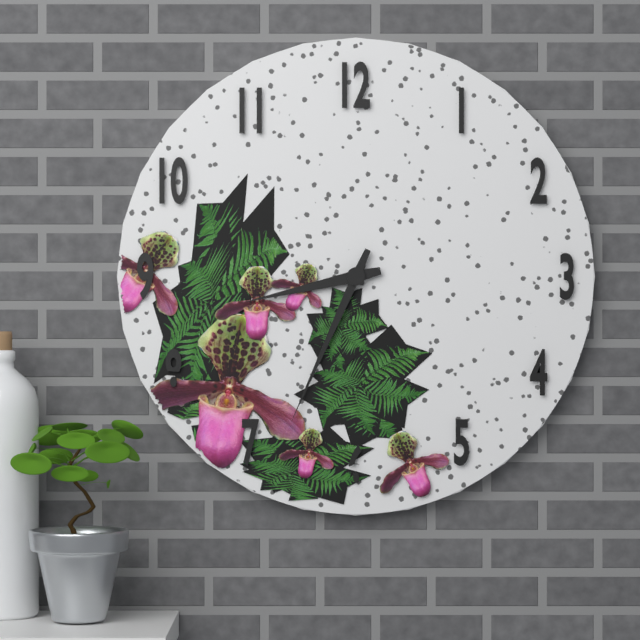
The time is 8:34
